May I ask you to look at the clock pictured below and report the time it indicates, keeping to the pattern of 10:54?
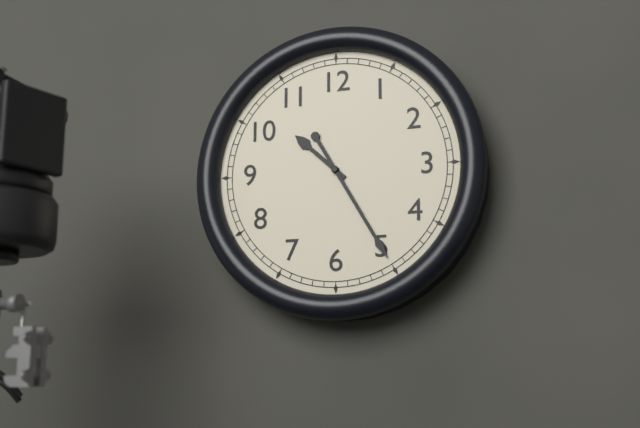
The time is 10:25
